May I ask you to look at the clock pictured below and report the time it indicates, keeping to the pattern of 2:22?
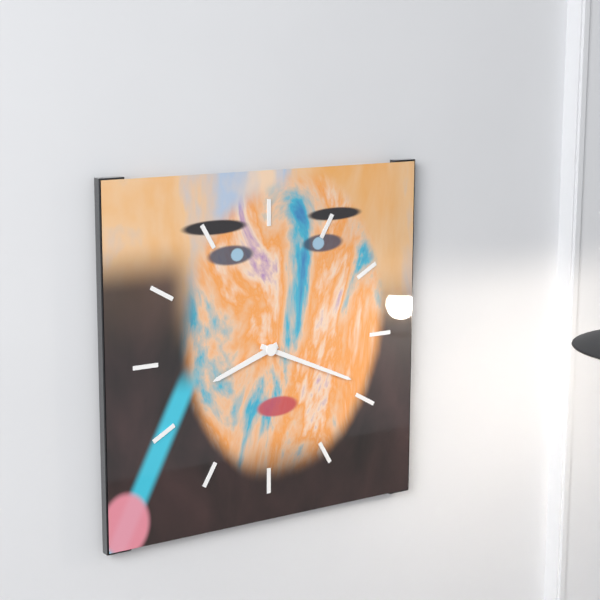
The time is 8:19
